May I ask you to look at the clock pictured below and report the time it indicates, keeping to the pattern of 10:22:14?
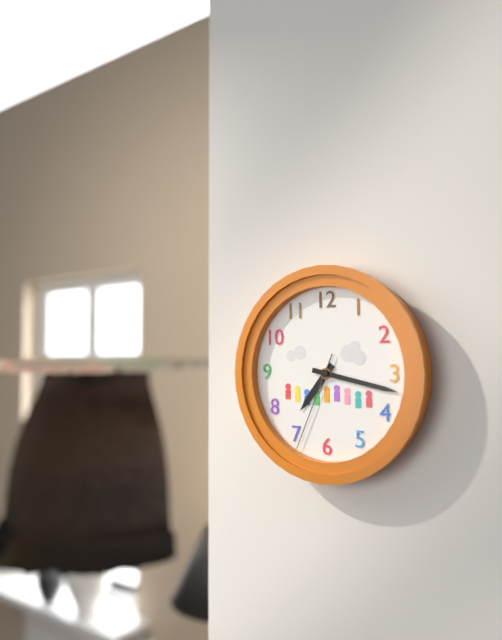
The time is 7:17:34
